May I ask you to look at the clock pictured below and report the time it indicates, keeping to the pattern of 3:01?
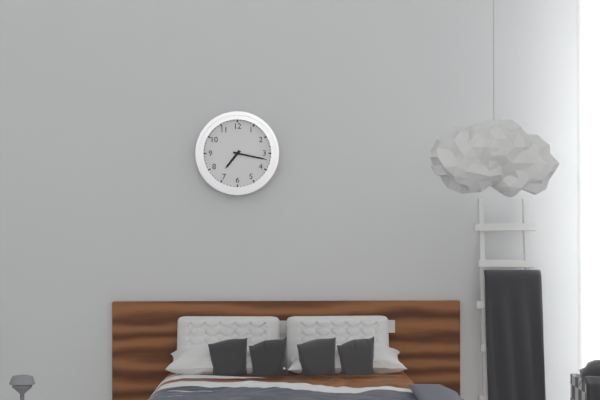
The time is 7:17
